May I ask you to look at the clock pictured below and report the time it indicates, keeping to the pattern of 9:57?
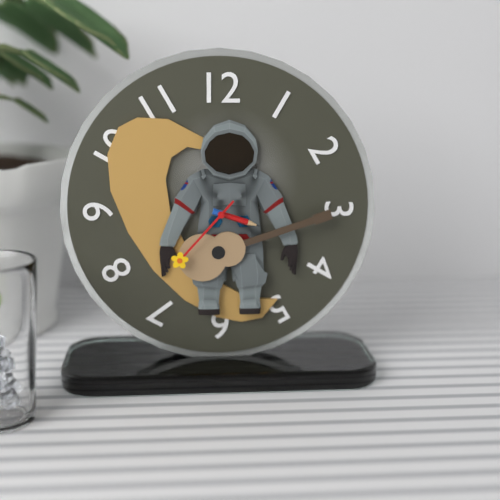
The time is 3:37
